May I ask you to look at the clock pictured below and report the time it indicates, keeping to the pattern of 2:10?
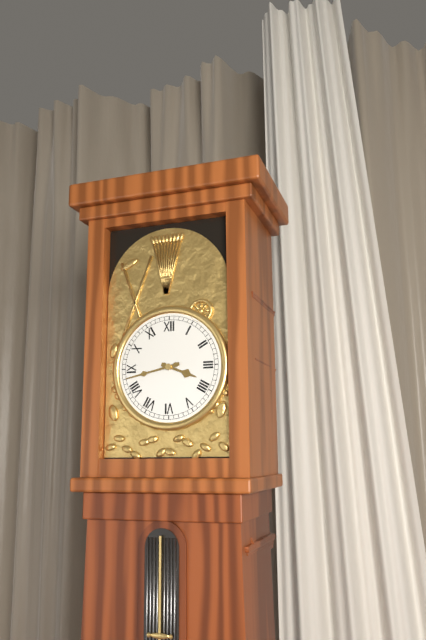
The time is 3:43
